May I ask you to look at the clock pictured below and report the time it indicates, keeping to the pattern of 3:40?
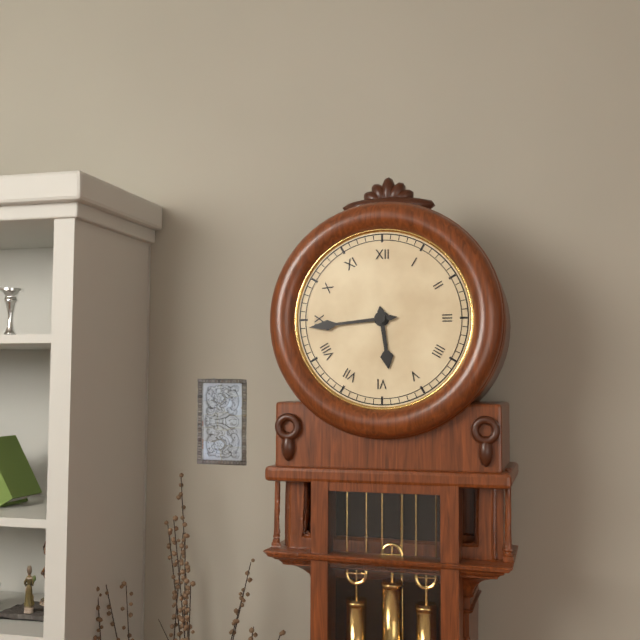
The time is 5:44
